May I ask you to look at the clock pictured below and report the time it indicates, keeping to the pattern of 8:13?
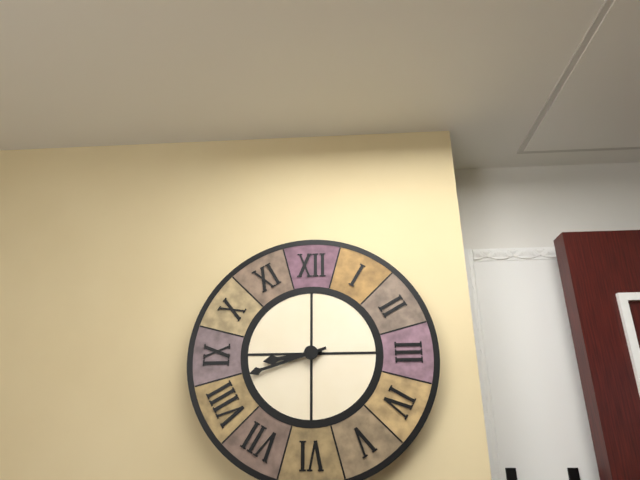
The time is 8:42
